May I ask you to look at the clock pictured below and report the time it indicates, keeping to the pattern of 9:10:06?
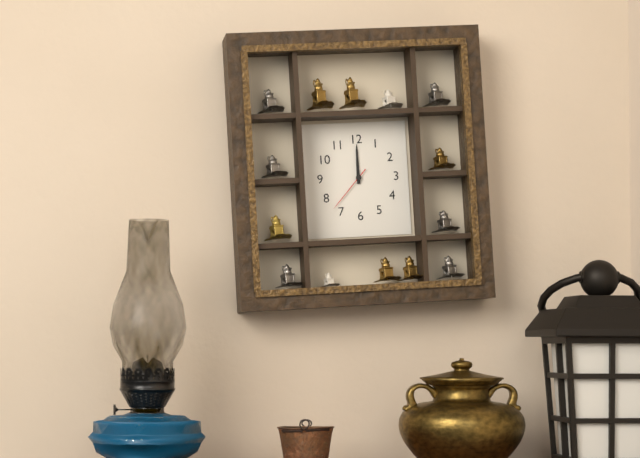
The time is 12:00:37
